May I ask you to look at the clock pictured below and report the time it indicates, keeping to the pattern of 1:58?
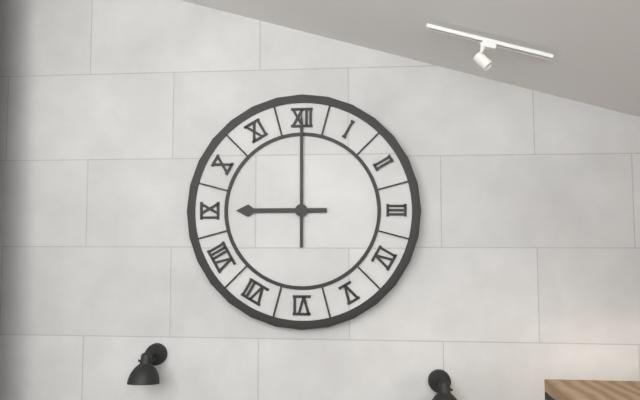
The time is 9:00
